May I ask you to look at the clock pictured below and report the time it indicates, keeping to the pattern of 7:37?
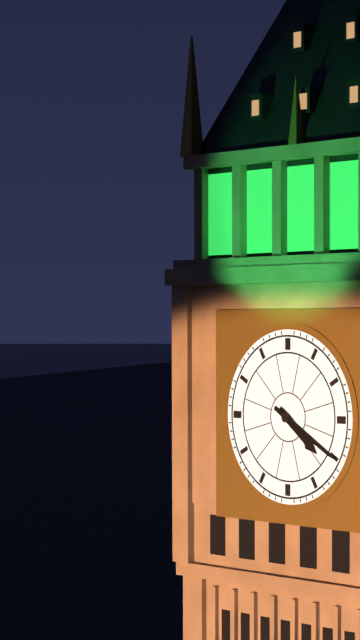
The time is 4:20
